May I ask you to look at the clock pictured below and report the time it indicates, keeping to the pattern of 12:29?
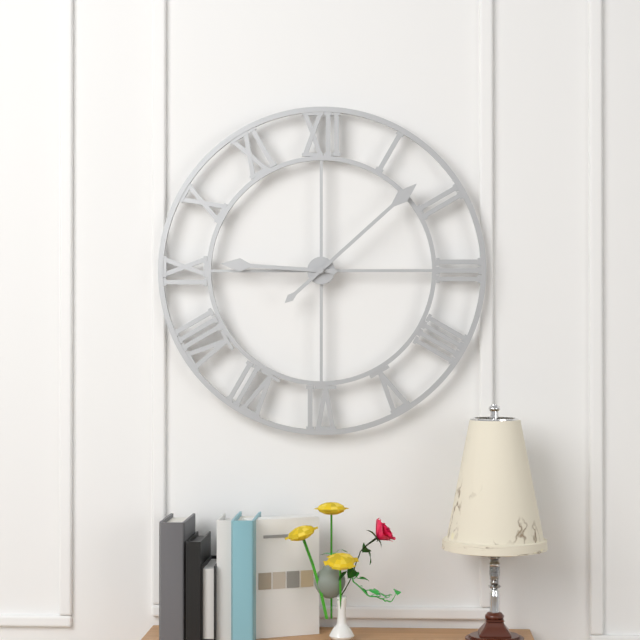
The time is 9:08
